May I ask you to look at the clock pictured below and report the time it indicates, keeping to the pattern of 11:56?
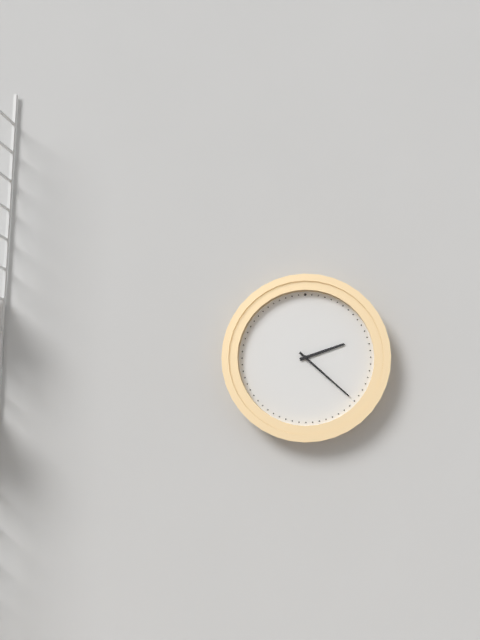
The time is 2:22
